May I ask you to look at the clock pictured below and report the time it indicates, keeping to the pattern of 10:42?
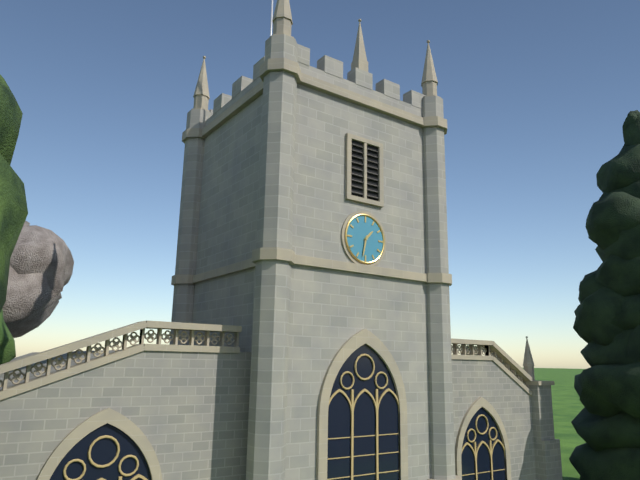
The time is 1:32
